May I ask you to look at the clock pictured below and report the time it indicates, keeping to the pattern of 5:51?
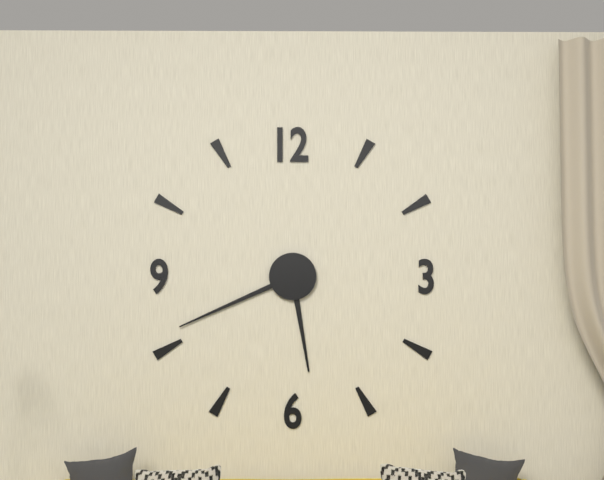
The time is 5:41
